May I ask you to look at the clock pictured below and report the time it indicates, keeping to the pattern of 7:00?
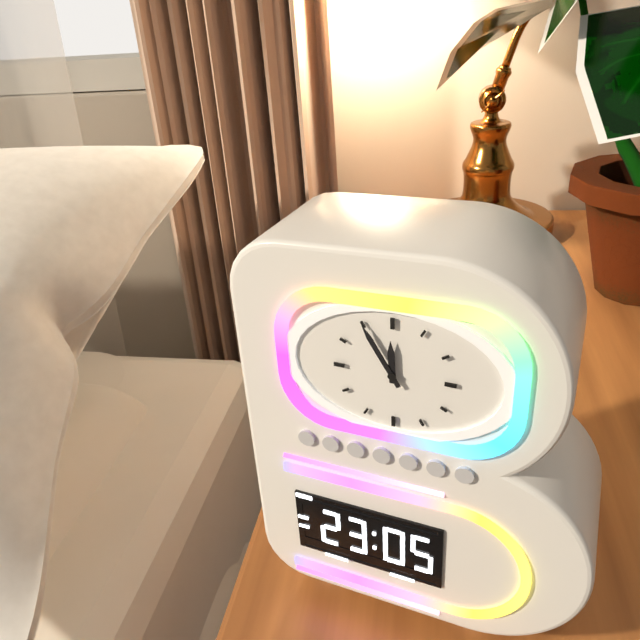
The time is 11:55
